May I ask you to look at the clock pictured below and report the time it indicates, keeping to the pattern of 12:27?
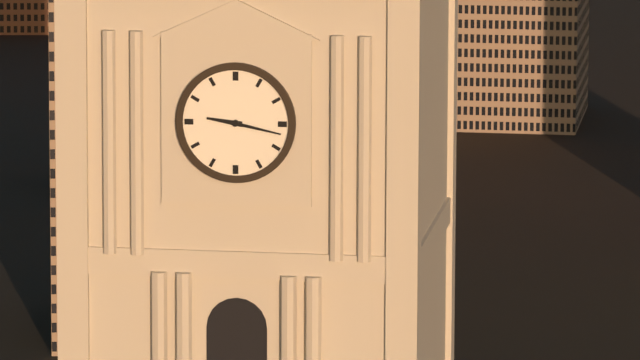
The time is 9:17
